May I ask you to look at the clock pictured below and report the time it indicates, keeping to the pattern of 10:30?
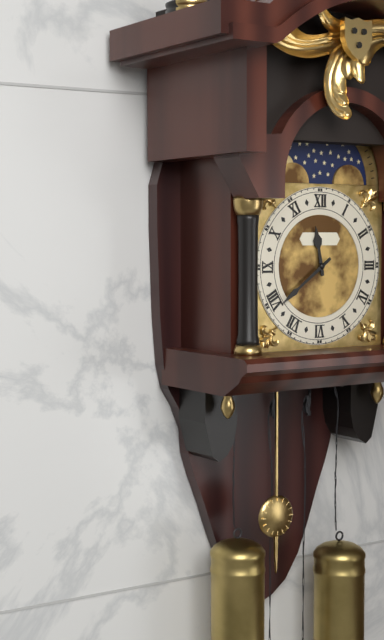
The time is 11:39
